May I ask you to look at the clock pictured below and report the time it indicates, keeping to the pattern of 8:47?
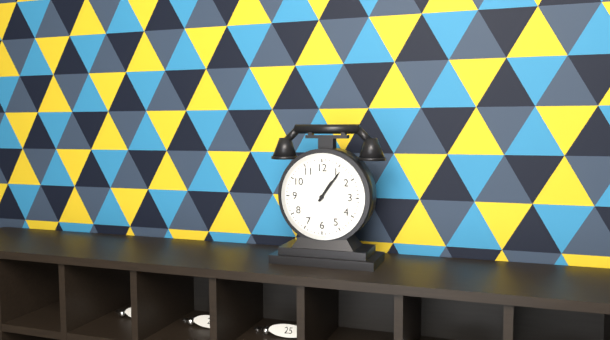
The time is 1:06
